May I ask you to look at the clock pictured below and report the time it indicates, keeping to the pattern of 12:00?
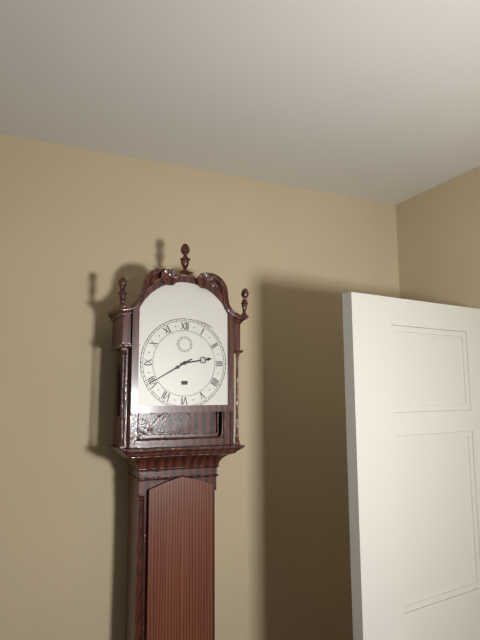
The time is 2:40
